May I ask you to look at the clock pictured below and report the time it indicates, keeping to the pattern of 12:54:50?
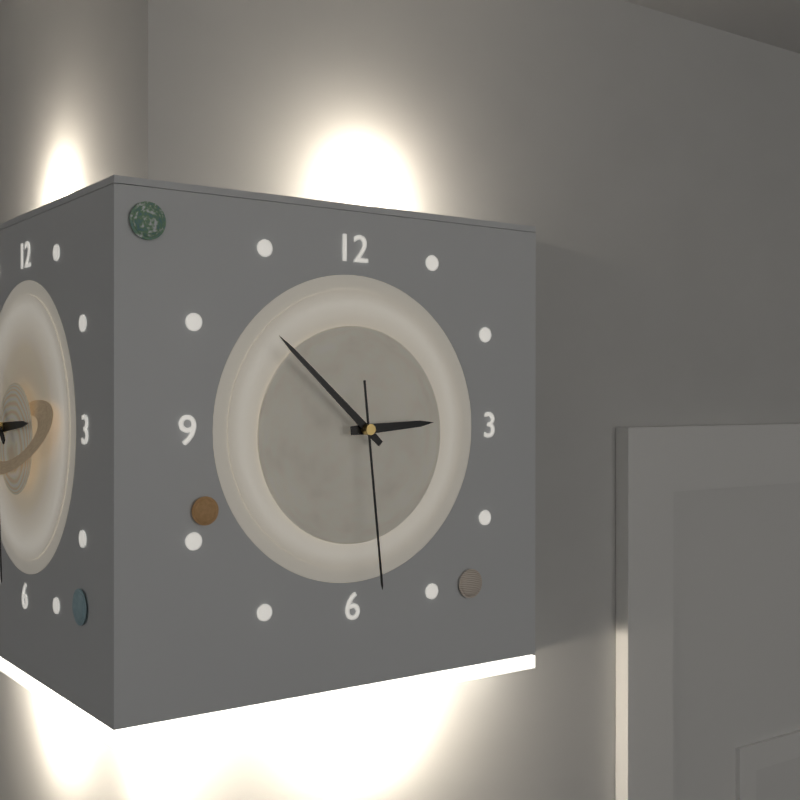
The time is 2:52:29
